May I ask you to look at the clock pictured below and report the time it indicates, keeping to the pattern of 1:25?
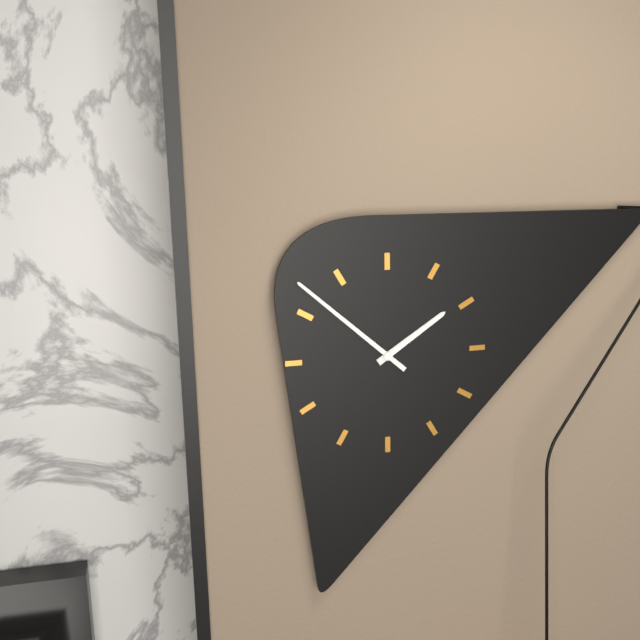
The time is 1:52
